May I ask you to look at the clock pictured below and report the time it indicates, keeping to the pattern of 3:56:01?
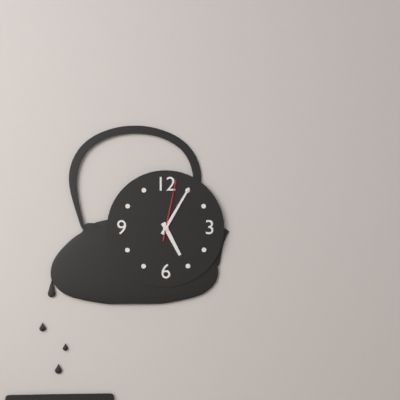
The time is 5:05:02
